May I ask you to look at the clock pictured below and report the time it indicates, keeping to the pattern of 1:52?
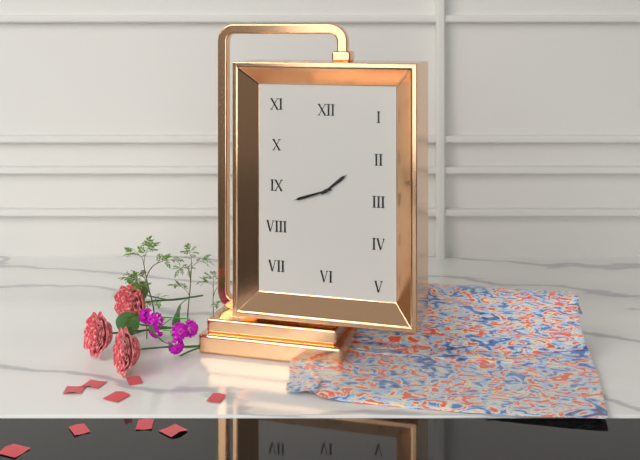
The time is 1:42
